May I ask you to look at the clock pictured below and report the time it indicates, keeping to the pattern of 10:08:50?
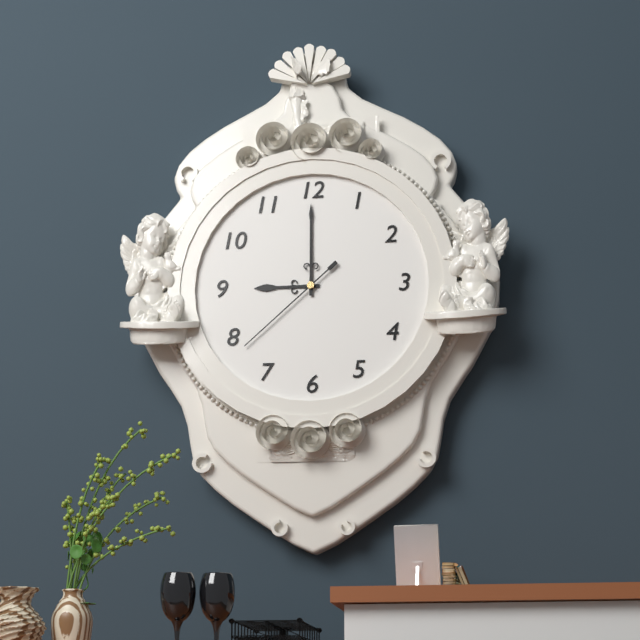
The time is 9:00:38
